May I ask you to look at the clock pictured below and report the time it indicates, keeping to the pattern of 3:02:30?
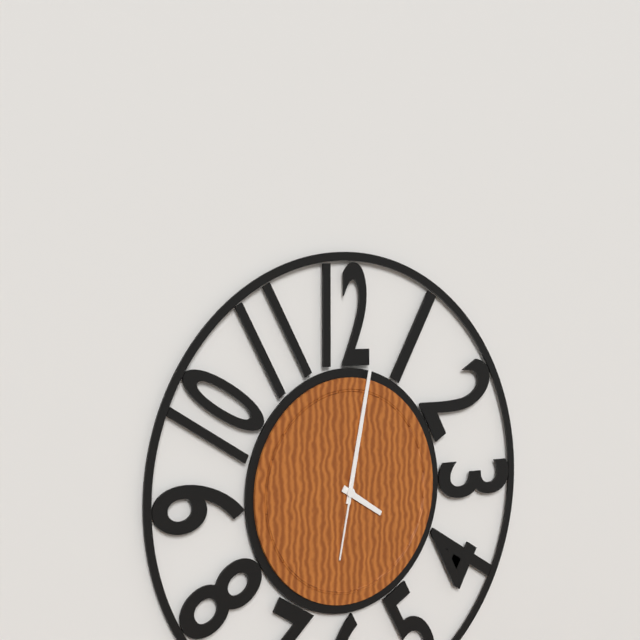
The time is 4:02:32
